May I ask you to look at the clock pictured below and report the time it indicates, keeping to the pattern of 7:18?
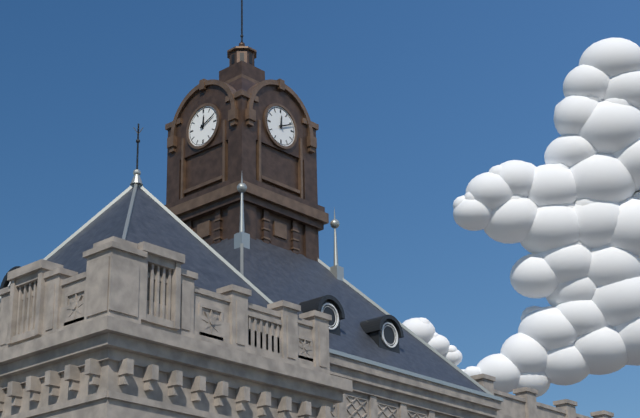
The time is 12:11
